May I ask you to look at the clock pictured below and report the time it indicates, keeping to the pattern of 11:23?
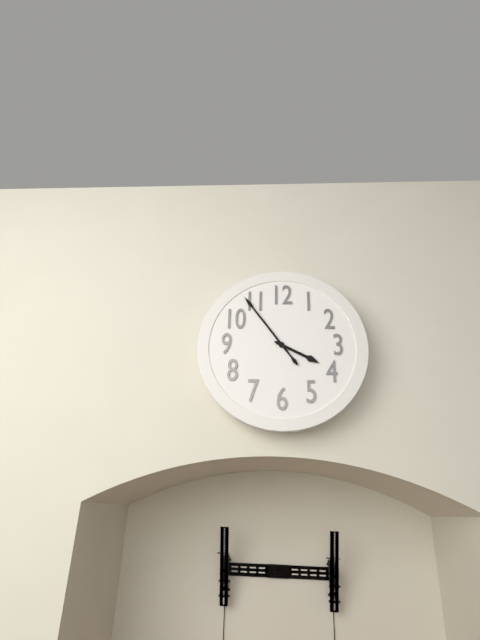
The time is 3:54
